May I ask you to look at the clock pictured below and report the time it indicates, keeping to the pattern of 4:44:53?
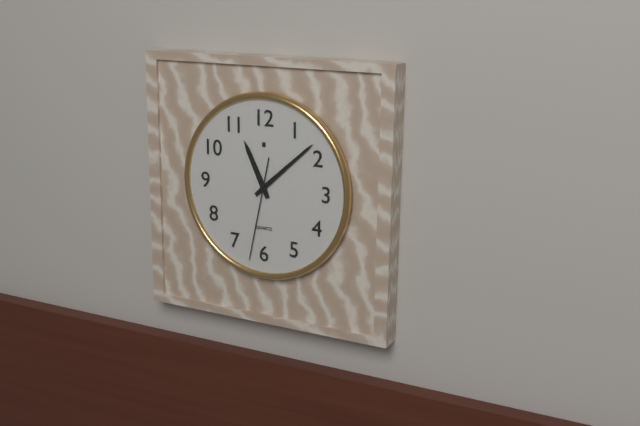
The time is 11:08:32
